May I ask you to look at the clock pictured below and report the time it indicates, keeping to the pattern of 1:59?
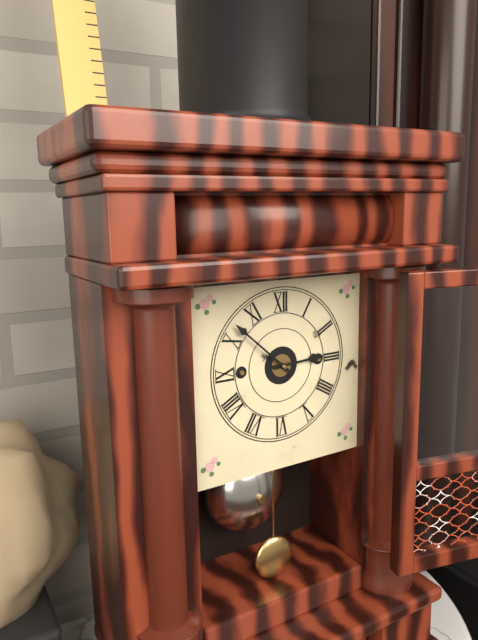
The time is 2:52
